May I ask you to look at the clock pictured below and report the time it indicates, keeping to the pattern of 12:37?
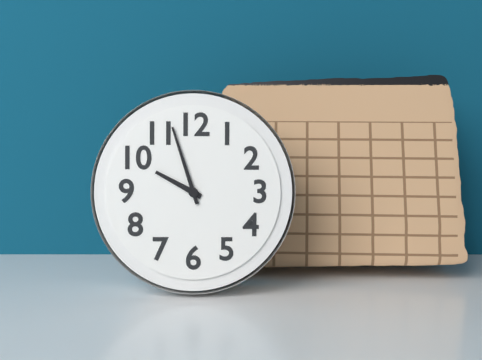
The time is 9:57
